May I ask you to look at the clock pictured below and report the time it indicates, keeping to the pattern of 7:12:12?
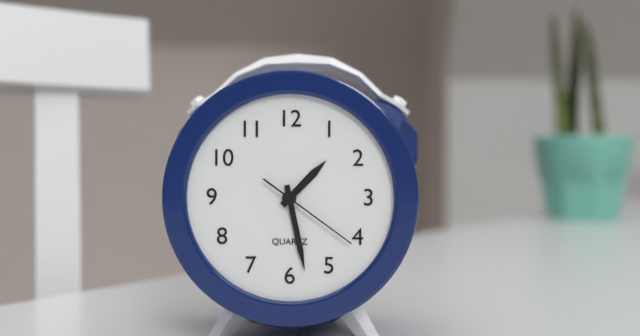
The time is 1:28:21
